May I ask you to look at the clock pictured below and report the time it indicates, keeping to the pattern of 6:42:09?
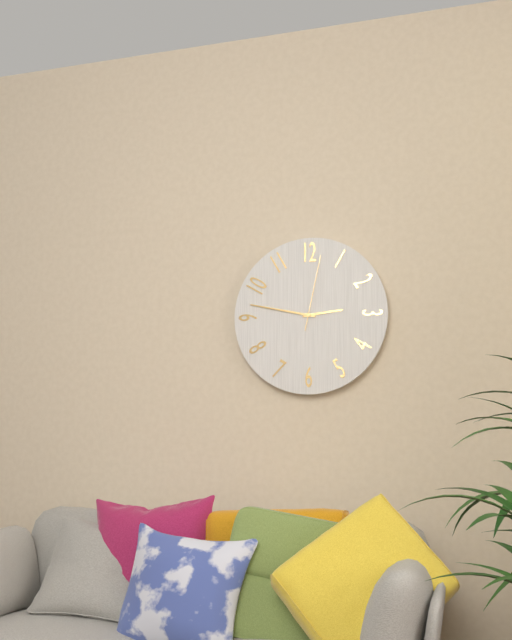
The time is 2:47:02
